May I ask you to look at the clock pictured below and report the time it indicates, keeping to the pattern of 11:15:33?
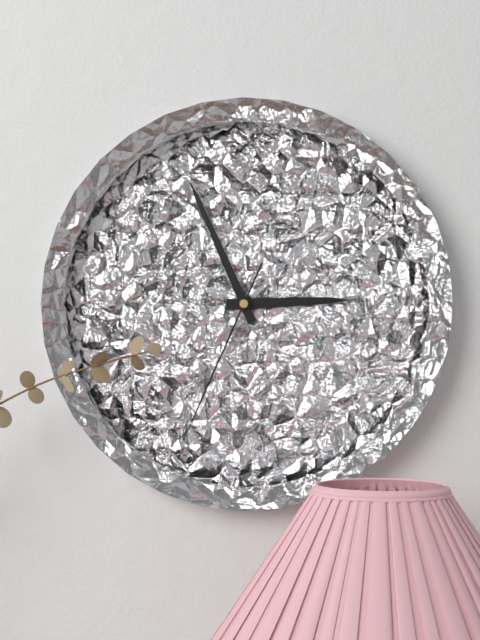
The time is 2:56:34
